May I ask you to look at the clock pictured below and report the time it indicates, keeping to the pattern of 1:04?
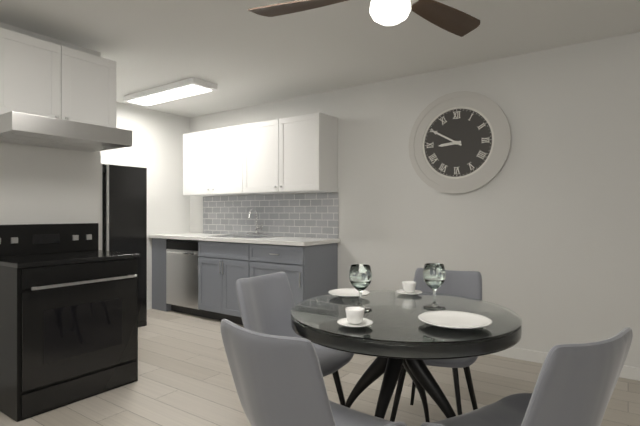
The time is 8:50
